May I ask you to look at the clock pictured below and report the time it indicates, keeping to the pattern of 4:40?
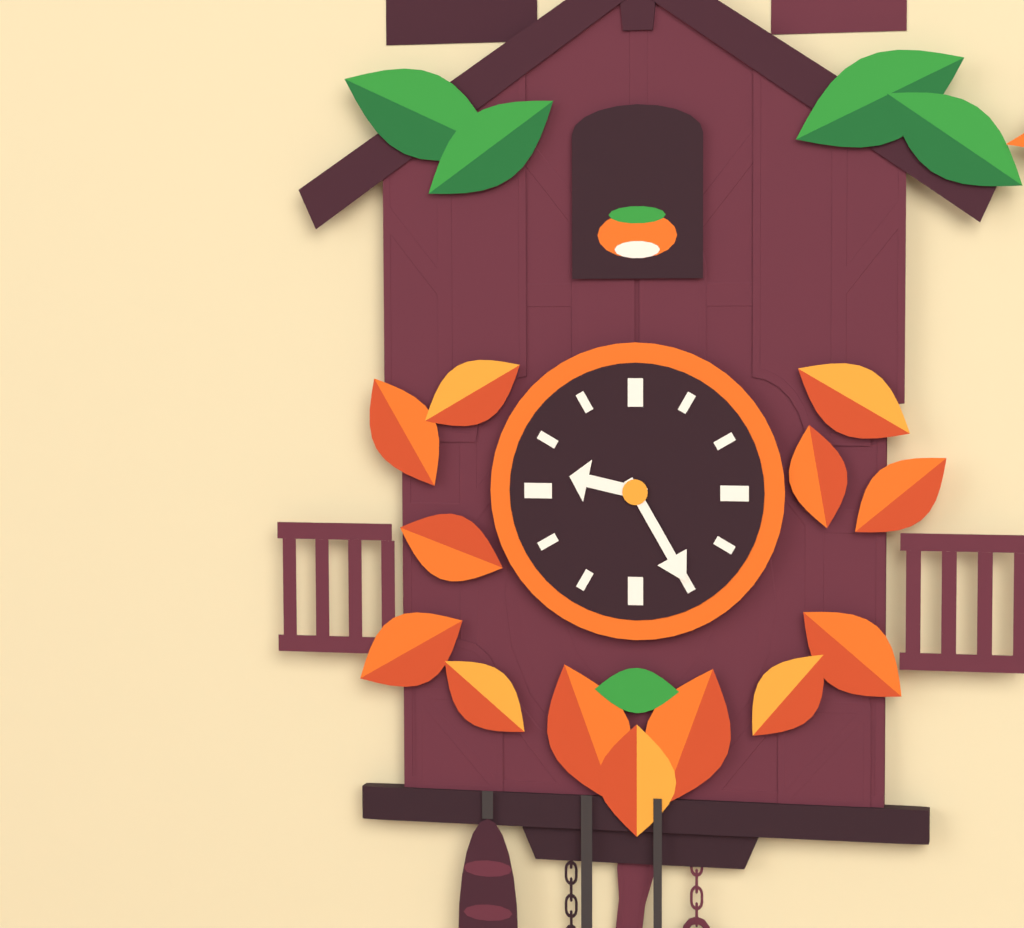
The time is 9:25
